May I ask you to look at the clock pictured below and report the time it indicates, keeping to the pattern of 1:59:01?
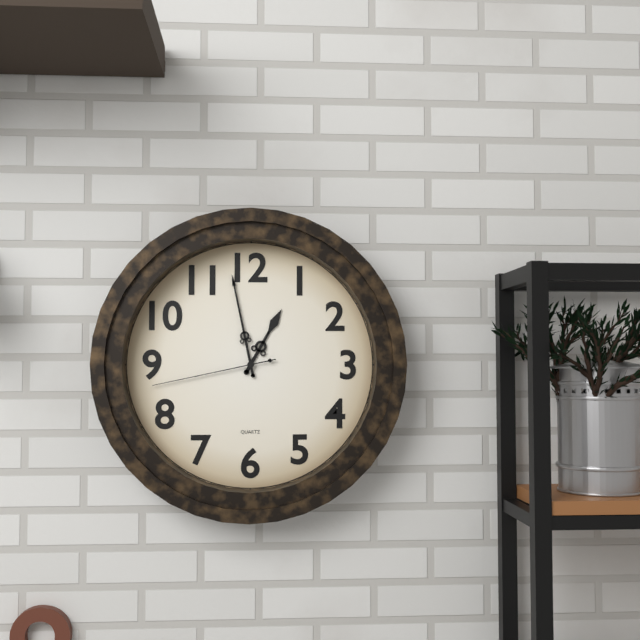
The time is 12:58:43
